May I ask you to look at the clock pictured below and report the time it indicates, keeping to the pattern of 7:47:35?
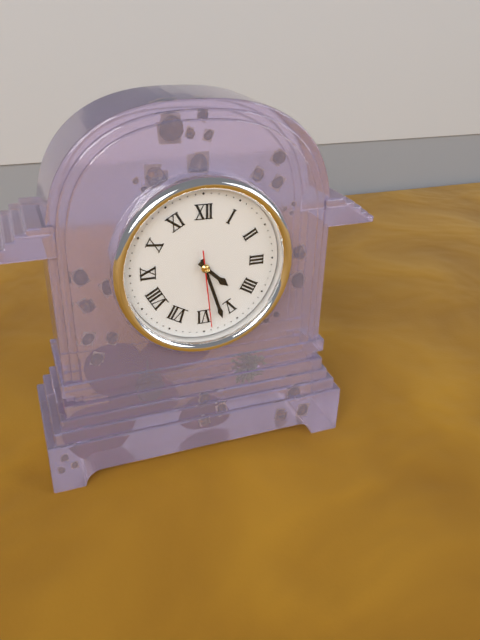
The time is 4:27:29
